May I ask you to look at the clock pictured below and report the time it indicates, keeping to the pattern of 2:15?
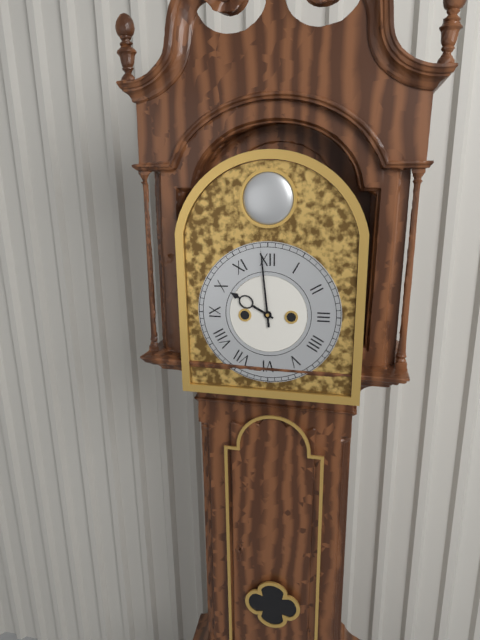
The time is 9:59
